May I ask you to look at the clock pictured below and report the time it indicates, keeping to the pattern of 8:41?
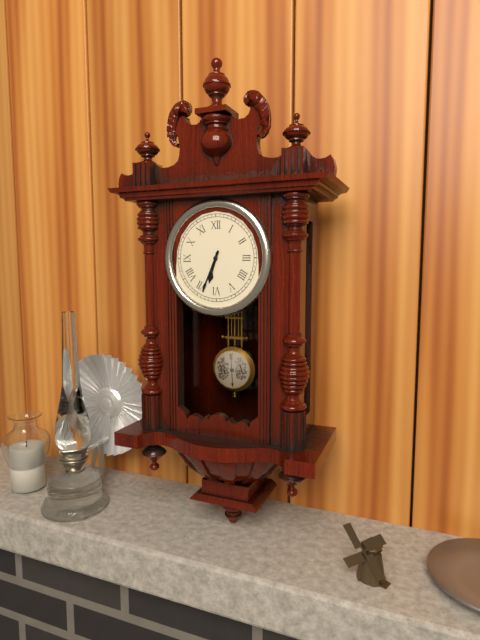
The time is 6:34
